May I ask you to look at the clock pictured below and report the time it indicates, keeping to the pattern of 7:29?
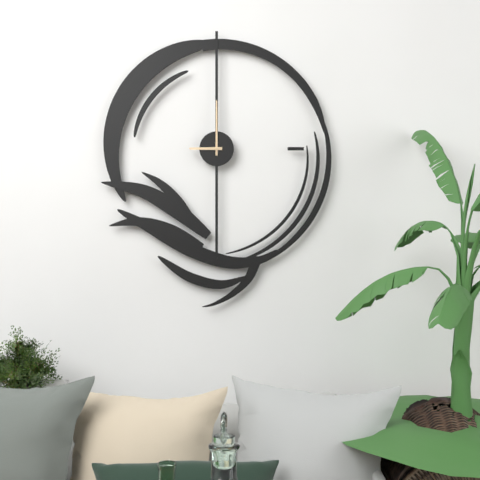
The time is 9:00
